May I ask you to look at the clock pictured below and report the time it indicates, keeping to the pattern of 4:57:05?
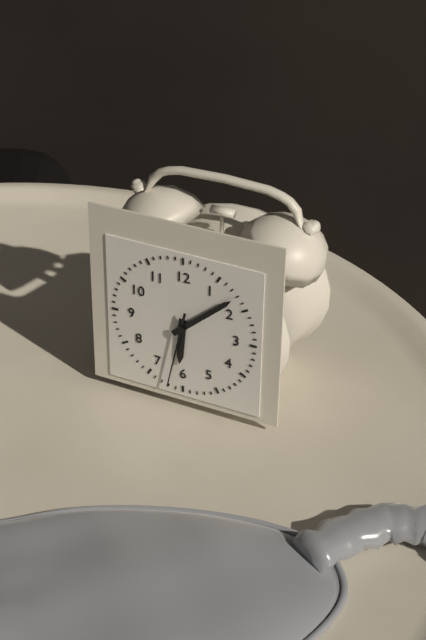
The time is 6:08:32
